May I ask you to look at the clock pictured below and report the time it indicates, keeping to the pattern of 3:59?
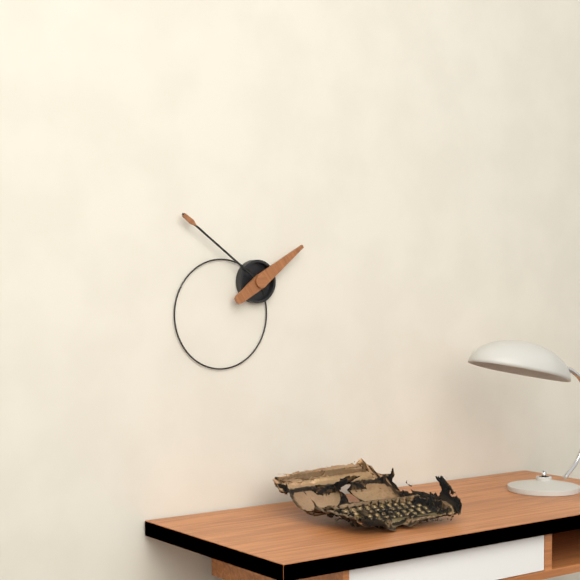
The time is 1:51
